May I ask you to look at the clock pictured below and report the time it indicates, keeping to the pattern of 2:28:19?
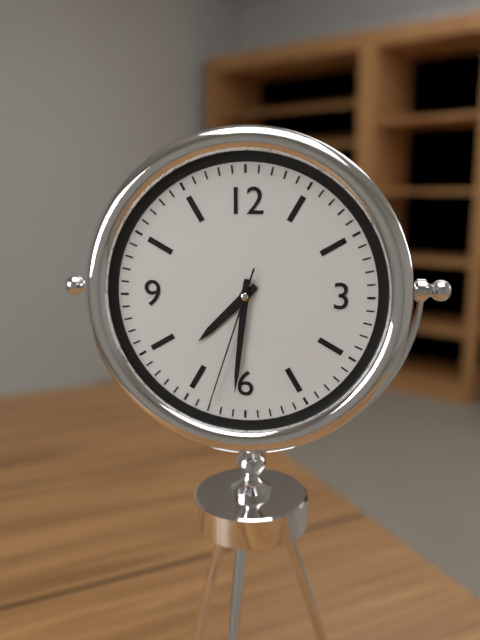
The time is 7:31:33
